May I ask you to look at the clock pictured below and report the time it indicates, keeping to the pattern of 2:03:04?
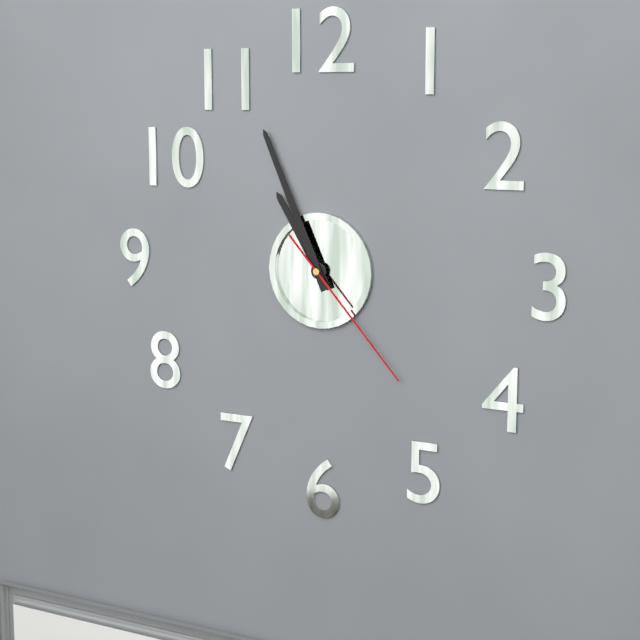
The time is 10:56:23
